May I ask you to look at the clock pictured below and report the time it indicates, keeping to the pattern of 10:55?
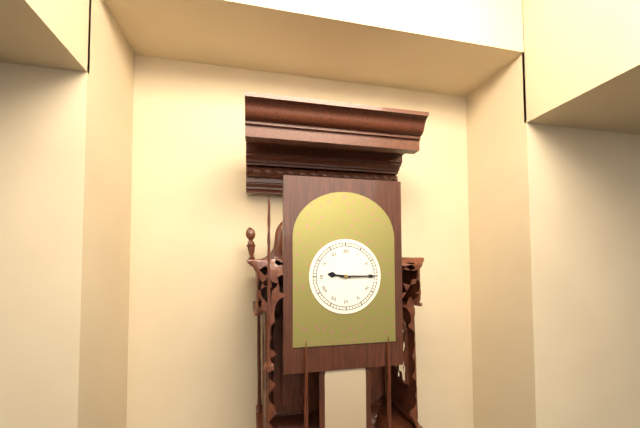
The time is 9:15
